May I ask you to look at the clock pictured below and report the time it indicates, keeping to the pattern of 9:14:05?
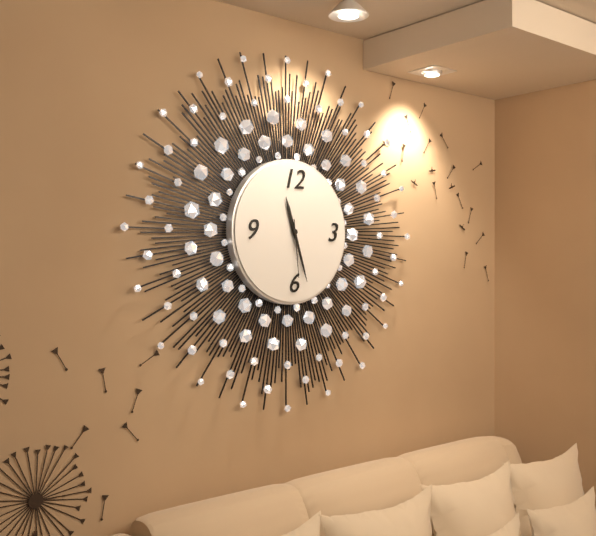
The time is 11:27:29
